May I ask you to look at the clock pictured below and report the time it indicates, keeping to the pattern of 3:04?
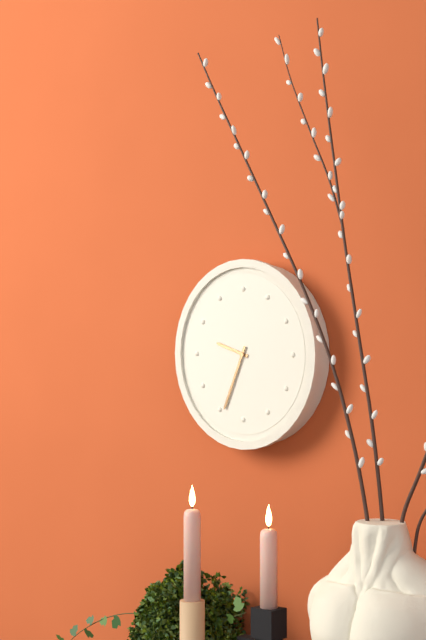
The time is 9:34
